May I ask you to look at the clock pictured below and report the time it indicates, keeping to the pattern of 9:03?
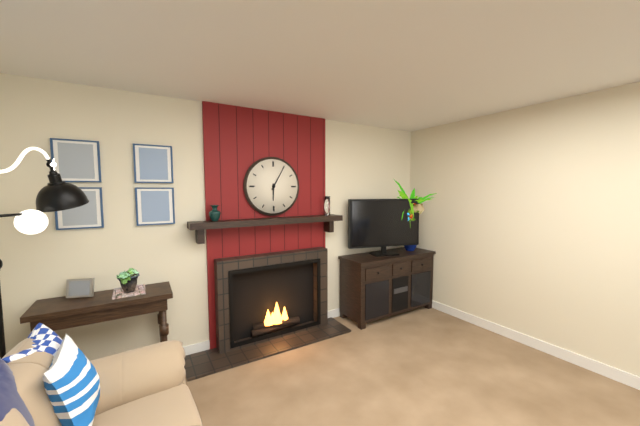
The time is 6:05
